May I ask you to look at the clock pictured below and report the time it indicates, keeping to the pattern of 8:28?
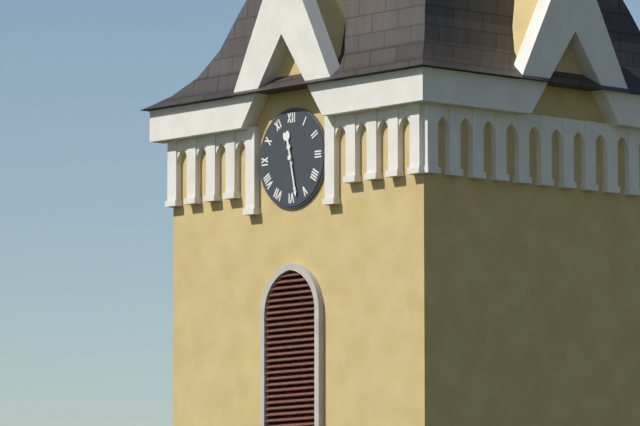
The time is 11:28
